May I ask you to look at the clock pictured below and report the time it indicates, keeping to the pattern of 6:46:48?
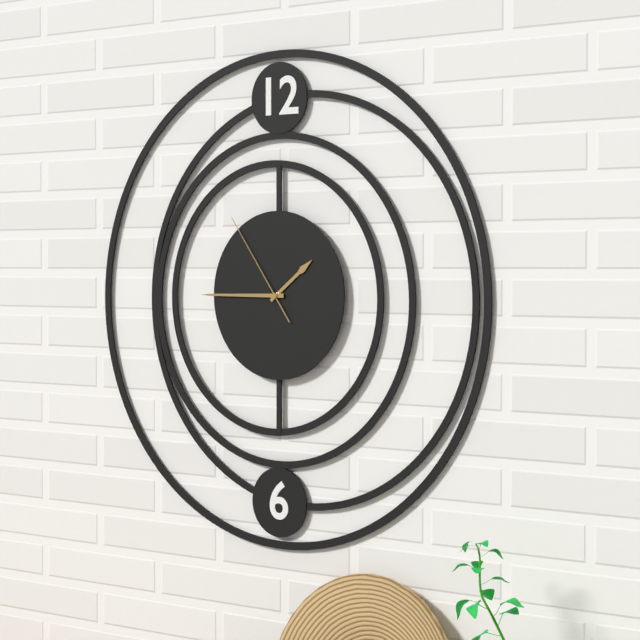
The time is 1:45:54
